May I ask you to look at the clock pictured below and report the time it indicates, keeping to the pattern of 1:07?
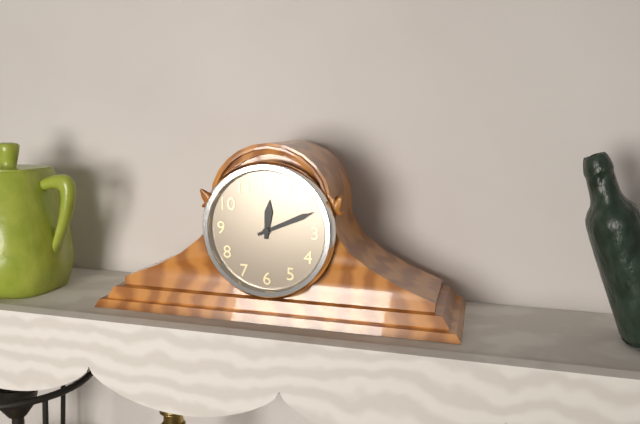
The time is 12:11
